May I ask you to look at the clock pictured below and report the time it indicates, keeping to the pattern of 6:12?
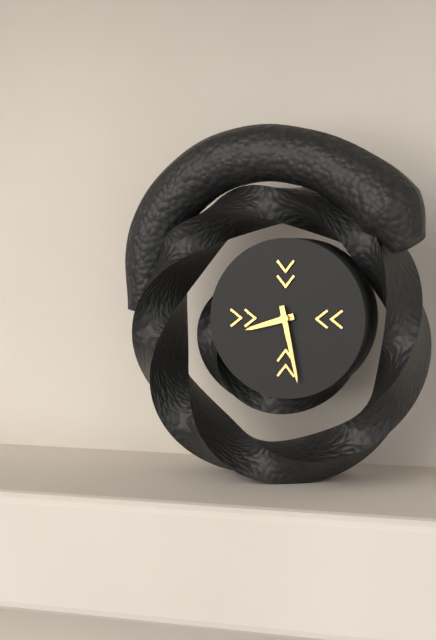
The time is 8:28
